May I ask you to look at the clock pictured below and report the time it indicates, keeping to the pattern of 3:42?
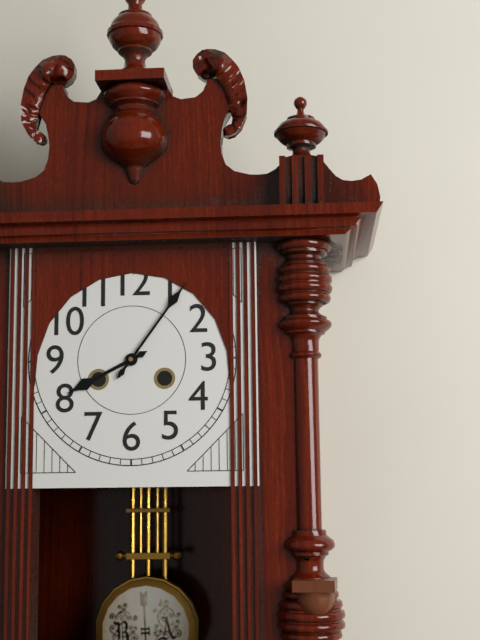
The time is 8:06
